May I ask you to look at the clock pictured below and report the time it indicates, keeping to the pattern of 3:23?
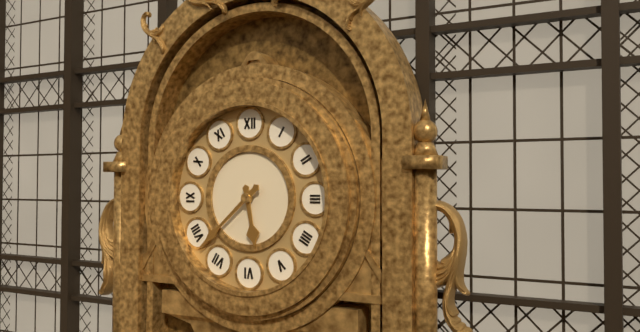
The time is 5:38
